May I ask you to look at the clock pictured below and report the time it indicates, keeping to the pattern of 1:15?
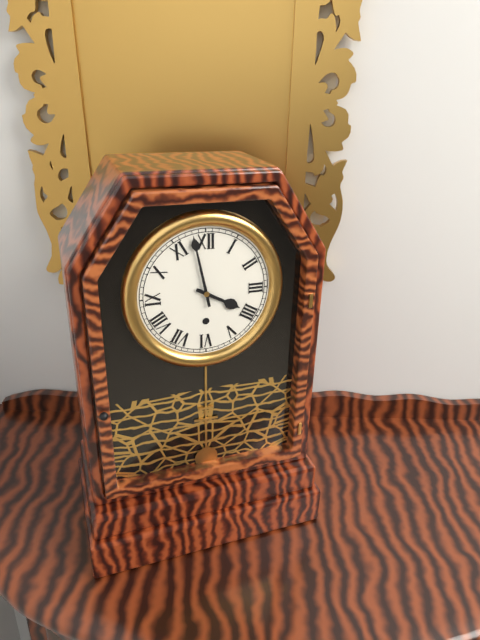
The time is 3:58
